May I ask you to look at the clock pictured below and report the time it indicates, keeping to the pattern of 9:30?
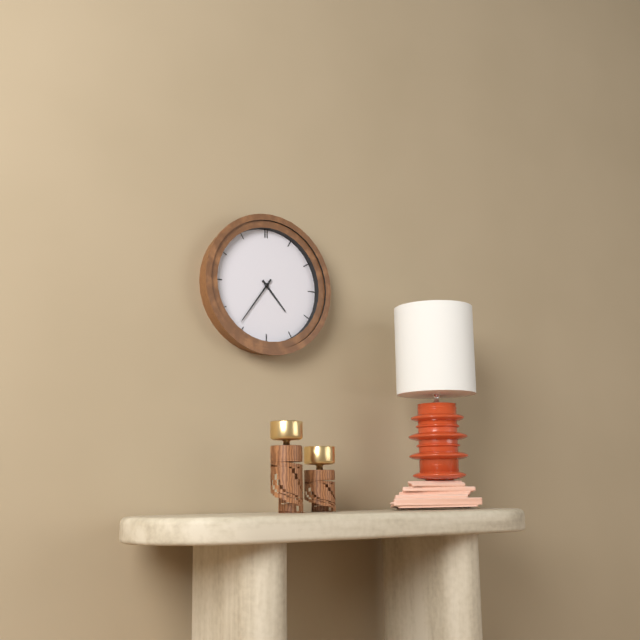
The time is 4:36
